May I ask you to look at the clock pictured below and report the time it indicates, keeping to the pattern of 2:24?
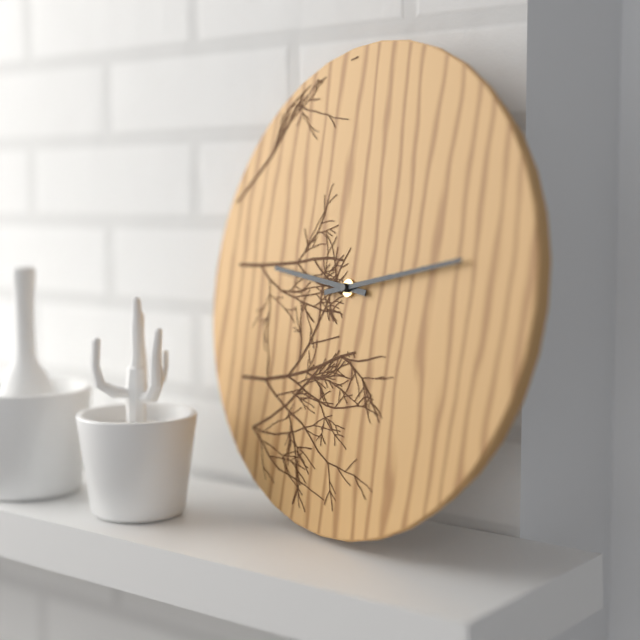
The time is 9:13
